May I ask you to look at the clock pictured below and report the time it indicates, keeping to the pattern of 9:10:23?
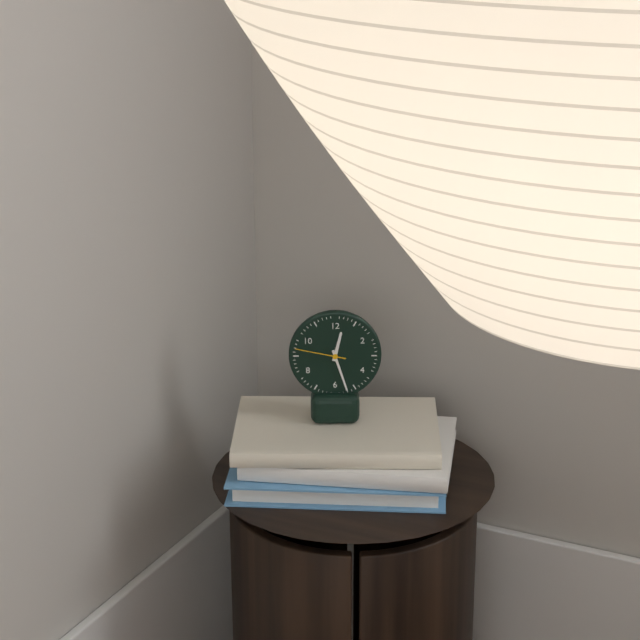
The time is 12:27:47
